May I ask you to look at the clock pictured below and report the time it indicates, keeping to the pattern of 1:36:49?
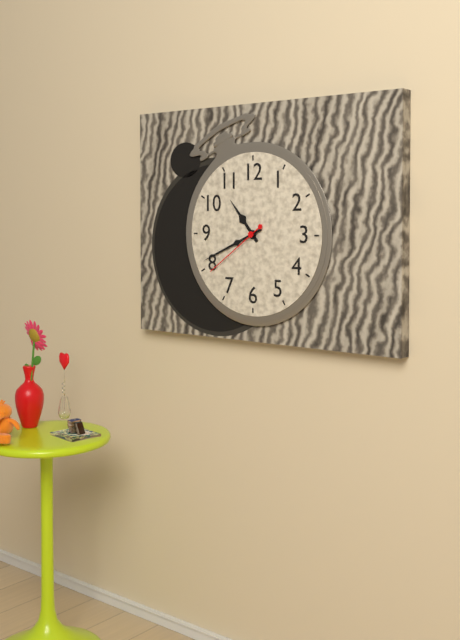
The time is 10:41:39
